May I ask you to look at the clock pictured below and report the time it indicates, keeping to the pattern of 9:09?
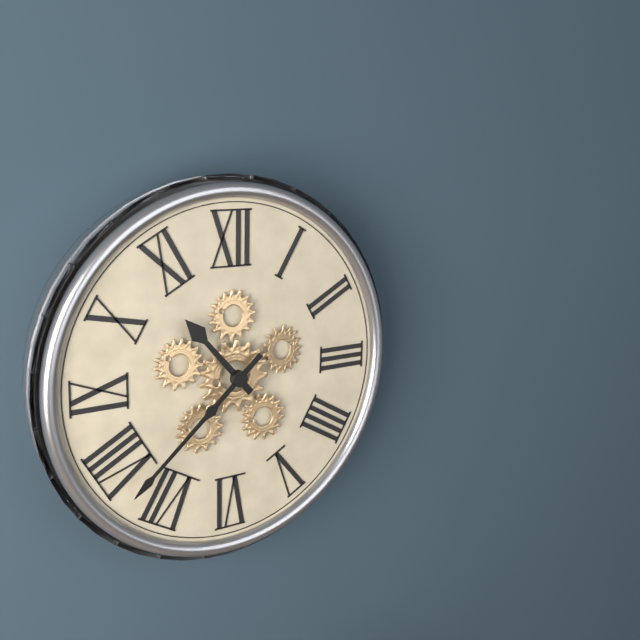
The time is 10:38
